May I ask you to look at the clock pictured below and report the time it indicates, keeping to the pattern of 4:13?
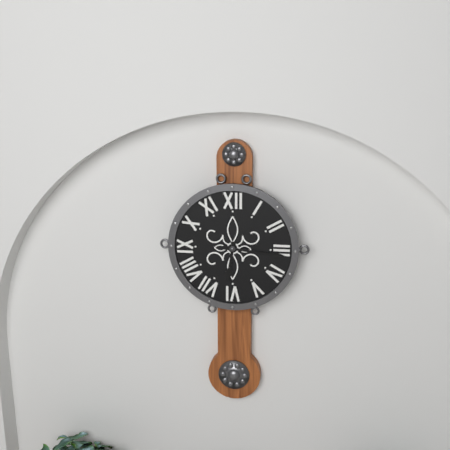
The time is 6:16
